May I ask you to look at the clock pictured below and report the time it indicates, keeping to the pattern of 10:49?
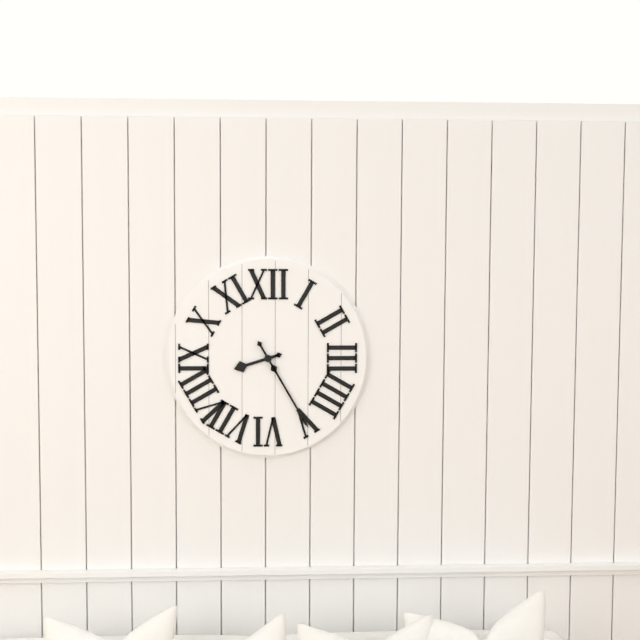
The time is 8:25
